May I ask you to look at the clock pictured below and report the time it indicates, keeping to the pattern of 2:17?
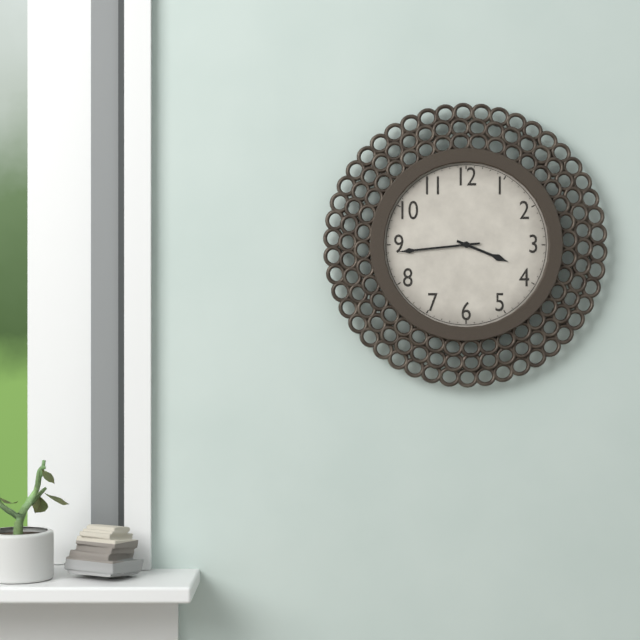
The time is 3:44
